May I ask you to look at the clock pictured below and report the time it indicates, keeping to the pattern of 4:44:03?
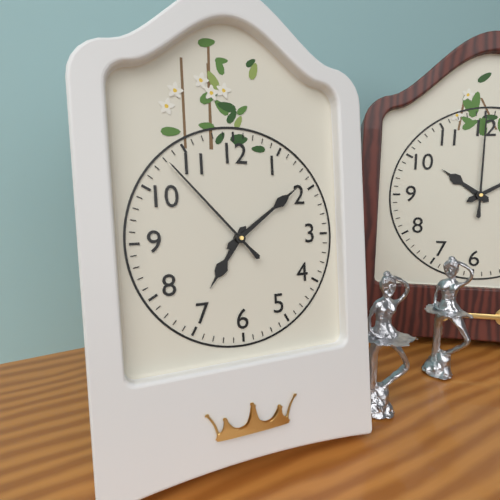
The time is 7:09:53
